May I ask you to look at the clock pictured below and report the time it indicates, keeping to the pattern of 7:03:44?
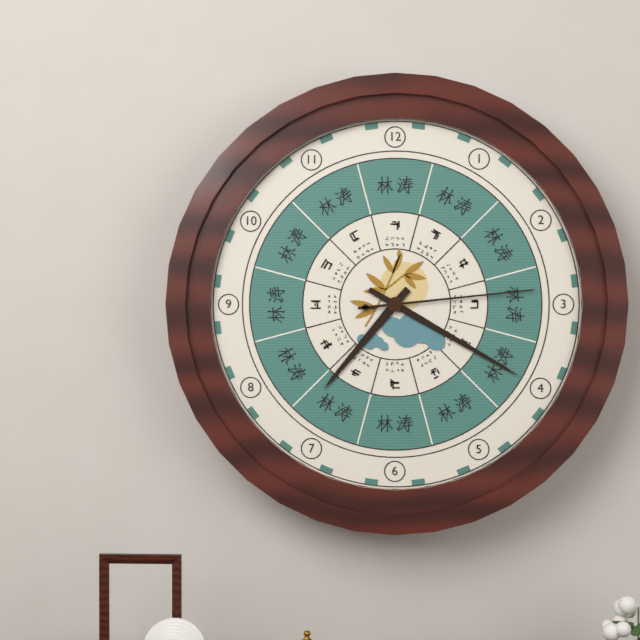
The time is 7:20:14
